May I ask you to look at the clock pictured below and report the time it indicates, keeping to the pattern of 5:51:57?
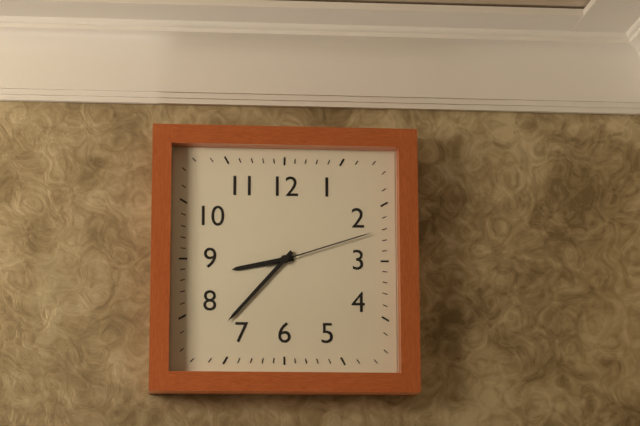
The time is 8:37:12
